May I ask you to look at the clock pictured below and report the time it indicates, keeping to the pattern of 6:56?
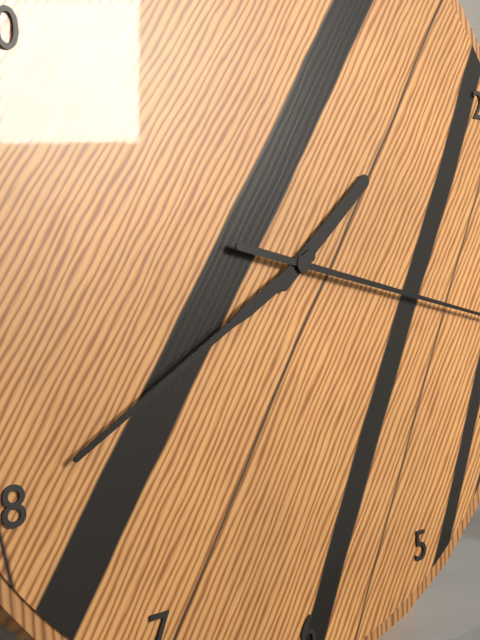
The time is 1:40
